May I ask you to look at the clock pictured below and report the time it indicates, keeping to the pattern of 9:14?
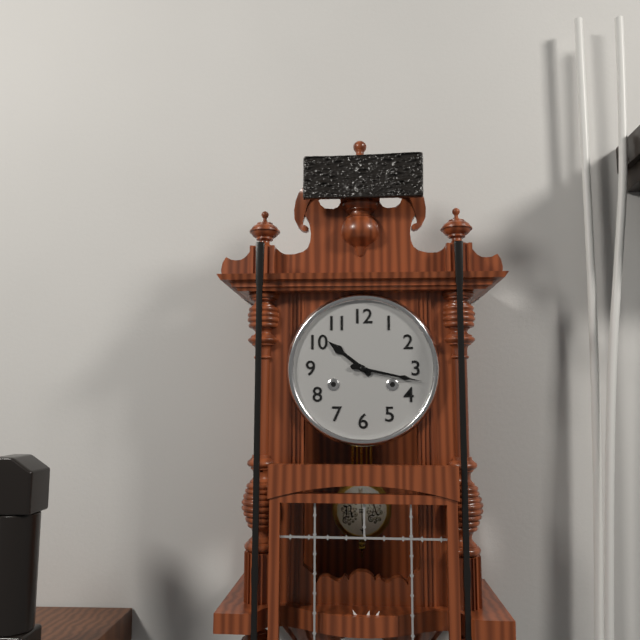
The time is 10:17
